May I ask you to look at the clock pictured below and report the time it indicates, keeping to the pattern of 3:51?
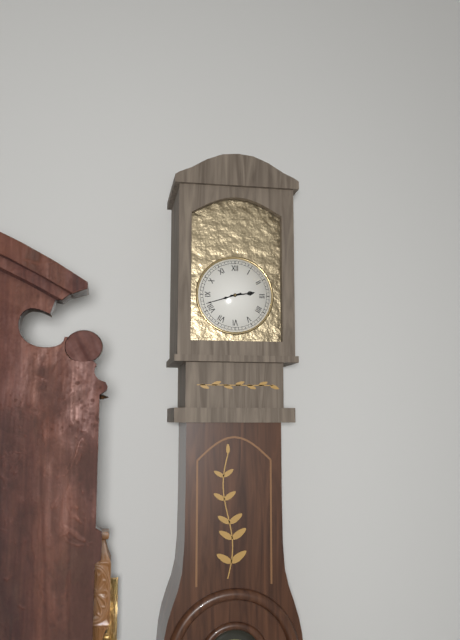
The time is 2:42
